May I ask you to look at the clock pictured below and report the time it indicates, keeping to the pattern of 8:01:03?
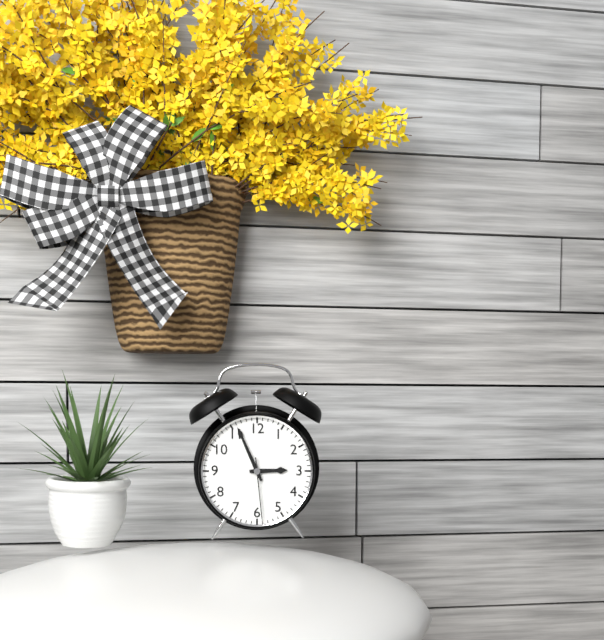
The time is 2:56:29
